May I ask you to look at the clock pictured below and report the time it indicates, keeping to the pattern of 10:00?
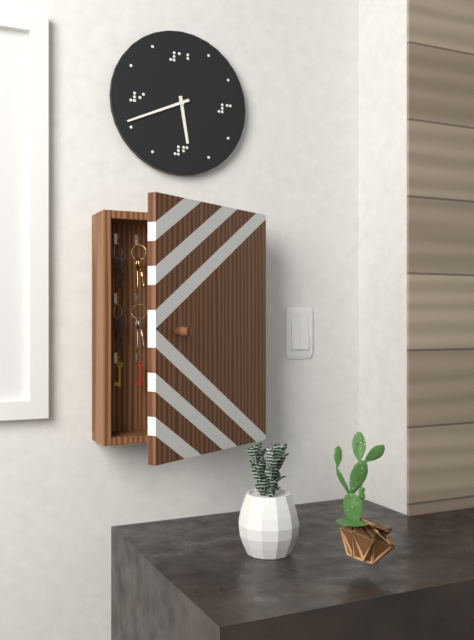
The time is 5:41
